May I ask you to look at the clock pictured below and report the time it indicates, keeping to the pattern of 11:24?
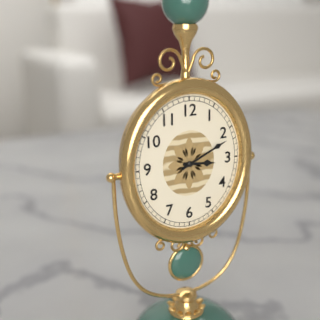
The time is 3:11
